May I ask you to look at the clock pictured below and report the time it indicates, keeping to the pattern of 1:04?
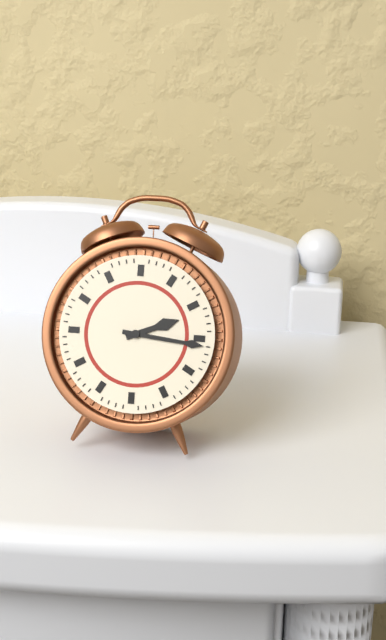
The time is 2:16
